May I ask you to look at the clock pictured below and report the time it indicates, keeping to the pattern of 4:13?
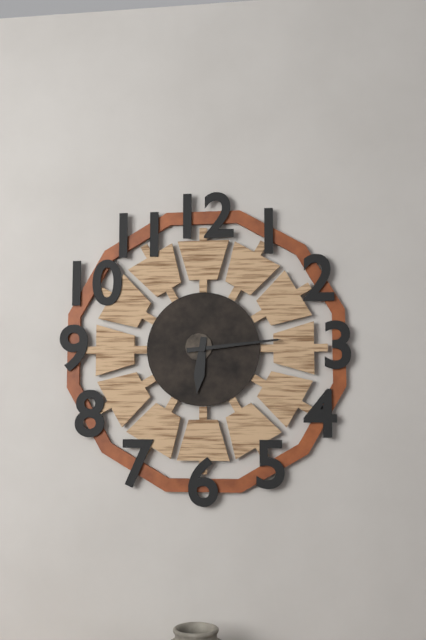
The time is 6:14
